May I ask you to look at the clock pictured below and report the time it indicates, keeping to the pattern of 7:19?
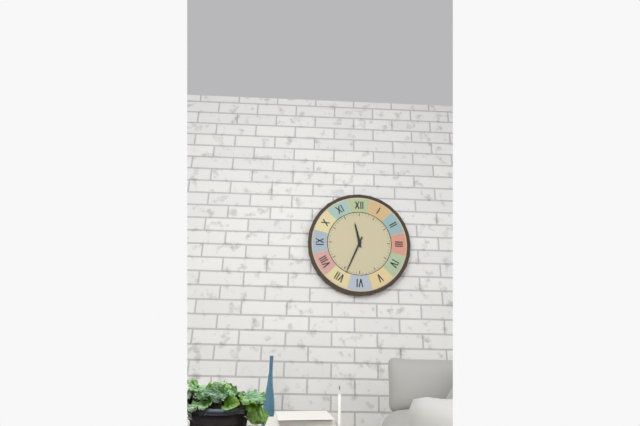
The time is 11:34
